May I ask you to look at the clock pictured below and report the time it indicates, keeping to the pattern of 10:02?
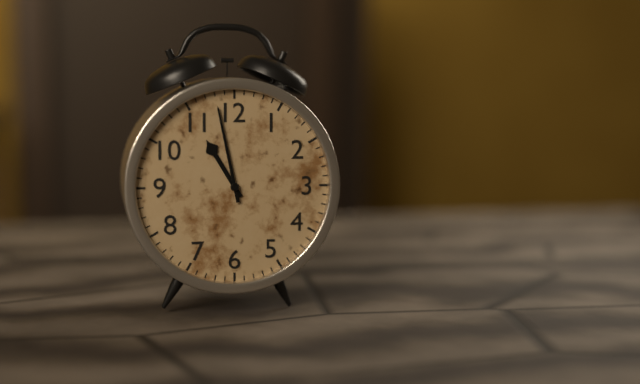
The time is 10:58
